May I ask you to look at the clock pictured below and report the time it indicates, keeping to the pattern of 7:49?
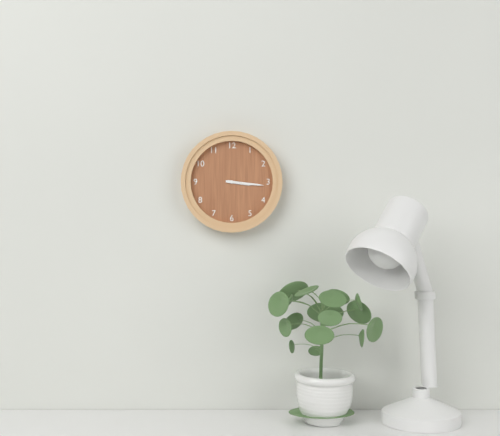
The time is 3:16
